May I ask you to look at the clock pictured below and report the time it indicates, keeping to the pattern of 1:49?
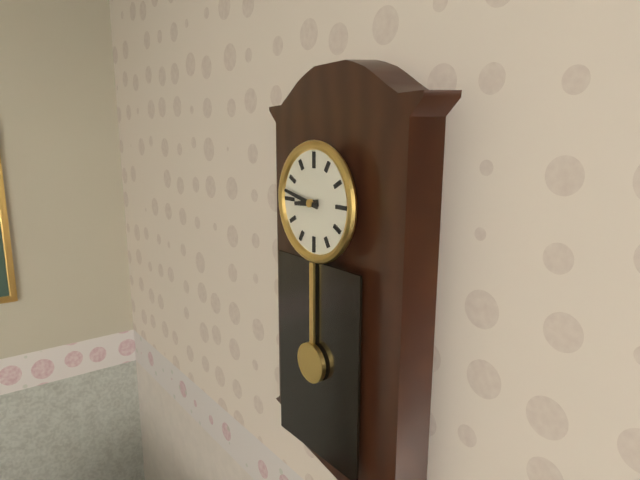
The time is 8:47
